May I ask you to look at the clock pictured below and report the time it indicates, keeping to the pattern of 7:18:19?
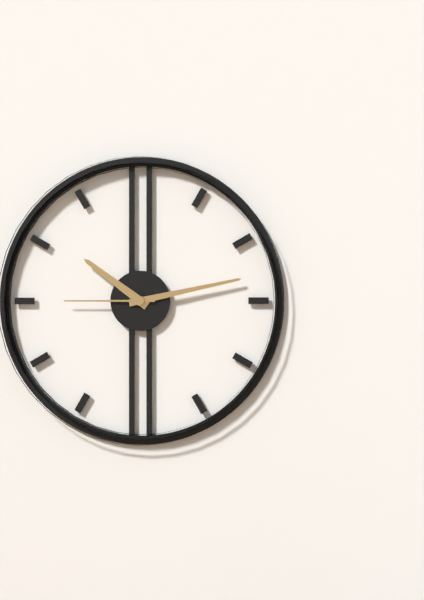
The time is 10:13:45
